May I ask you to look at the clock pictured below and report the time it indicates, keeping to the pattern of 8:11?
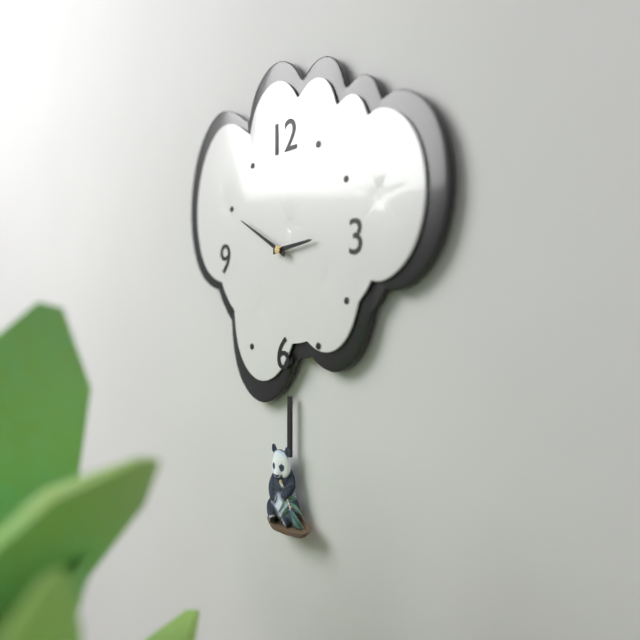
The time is 2:50
